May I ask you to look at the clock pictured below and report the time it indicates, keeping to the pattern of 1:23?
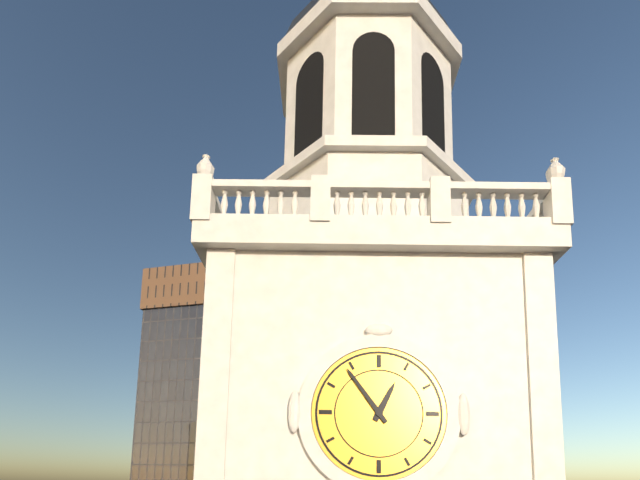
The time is 12:54
